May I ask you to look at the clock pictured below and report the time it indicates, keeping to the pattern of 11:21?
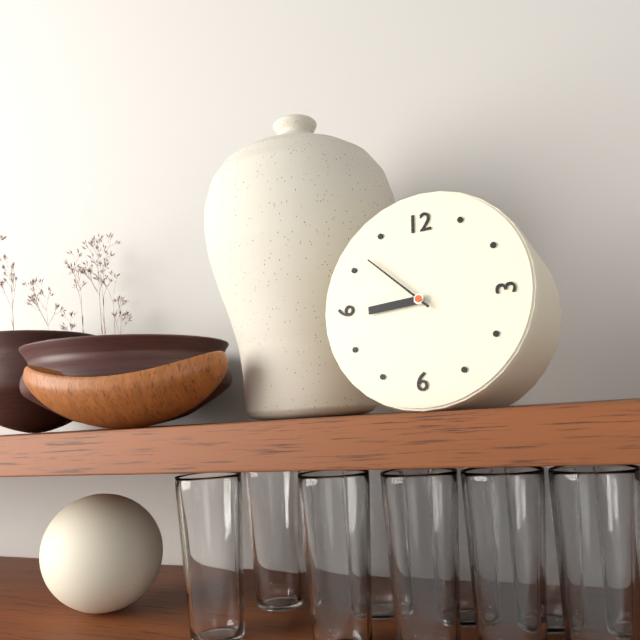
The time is 8:52
